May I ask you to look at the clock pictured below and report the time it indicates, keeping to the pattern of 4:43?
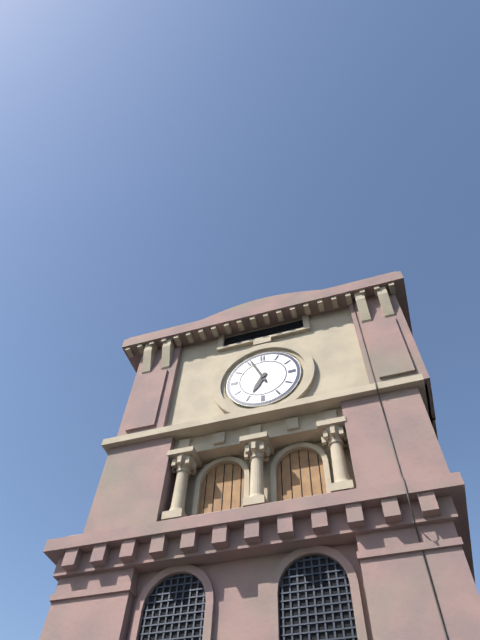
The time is 6:56
